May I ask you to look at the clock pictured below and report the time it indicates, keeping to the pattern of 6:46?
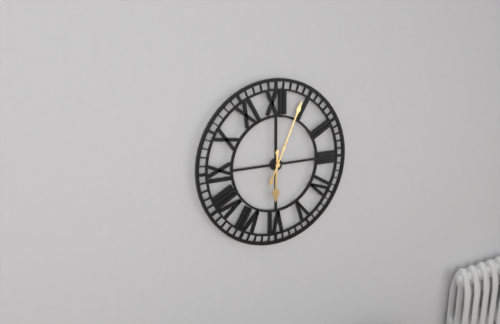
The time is 6:04
